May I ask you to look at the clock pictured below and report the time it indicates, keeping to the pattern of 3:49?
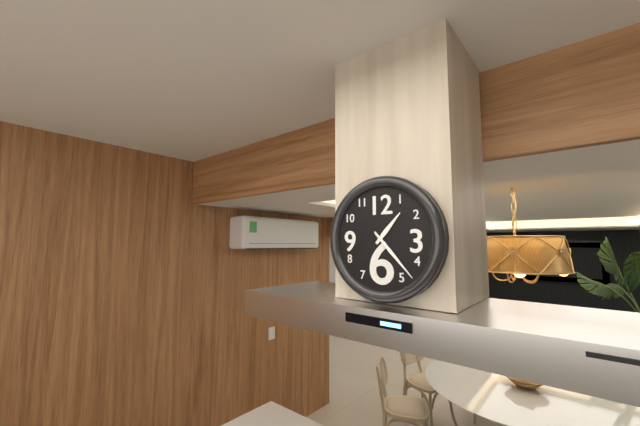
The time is 1:23
